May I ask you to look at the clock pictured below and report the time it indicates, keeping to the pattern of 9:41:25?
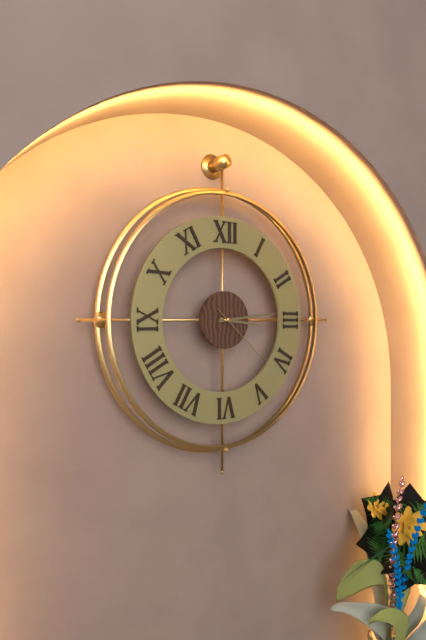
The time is 3:14:22
